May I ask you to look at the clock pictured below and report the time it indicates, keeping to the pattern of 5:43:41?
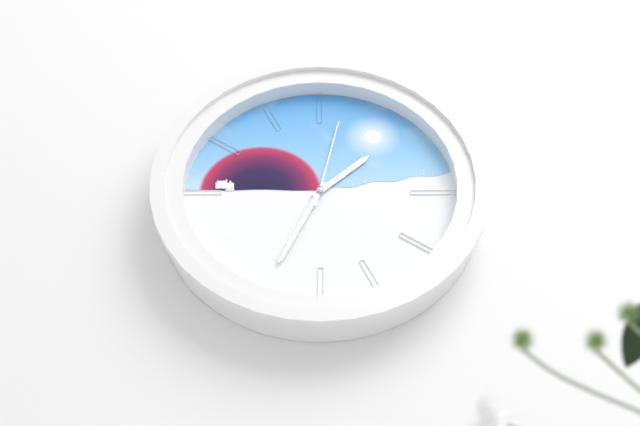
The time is 1:34:02
